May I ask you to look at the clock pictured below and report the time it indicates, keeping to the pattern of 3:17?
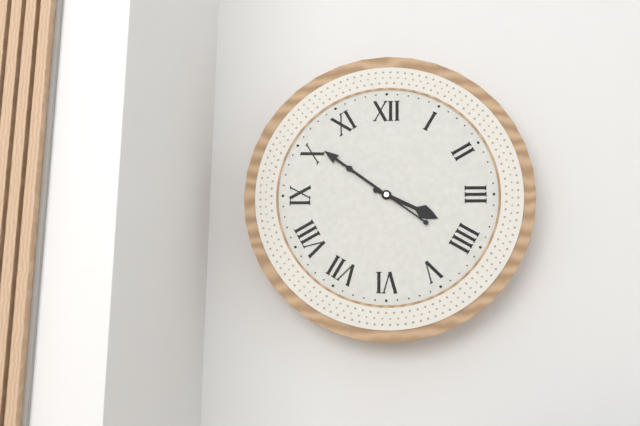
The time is 3:51
